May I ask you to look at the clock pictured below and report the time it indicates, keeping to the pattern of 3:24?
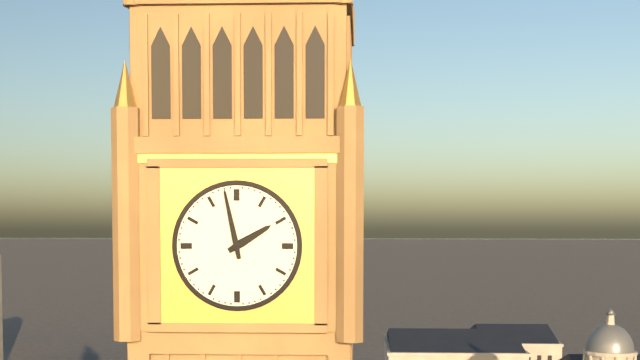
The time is 1:58
